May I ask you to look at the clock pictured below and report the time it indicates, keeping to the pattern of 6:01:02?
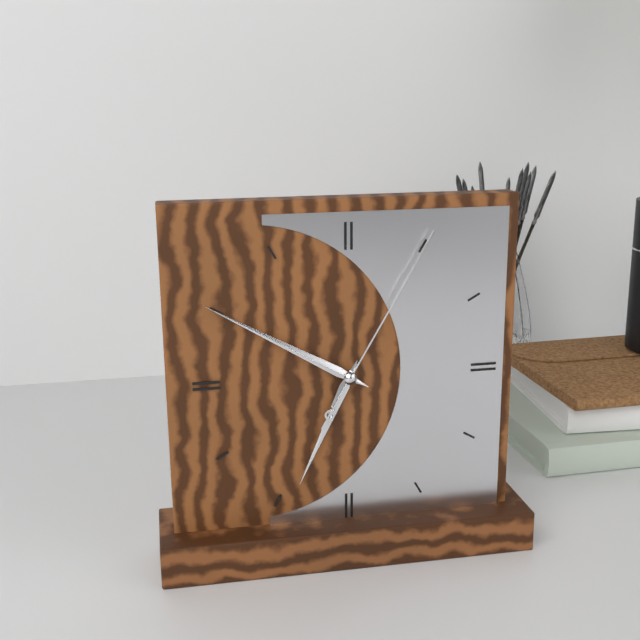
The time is 6:50:05
